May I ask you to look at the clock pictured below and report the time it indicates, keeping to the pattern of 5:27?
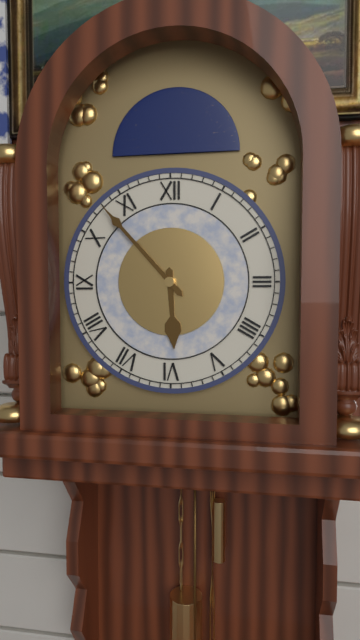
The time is 5:53
